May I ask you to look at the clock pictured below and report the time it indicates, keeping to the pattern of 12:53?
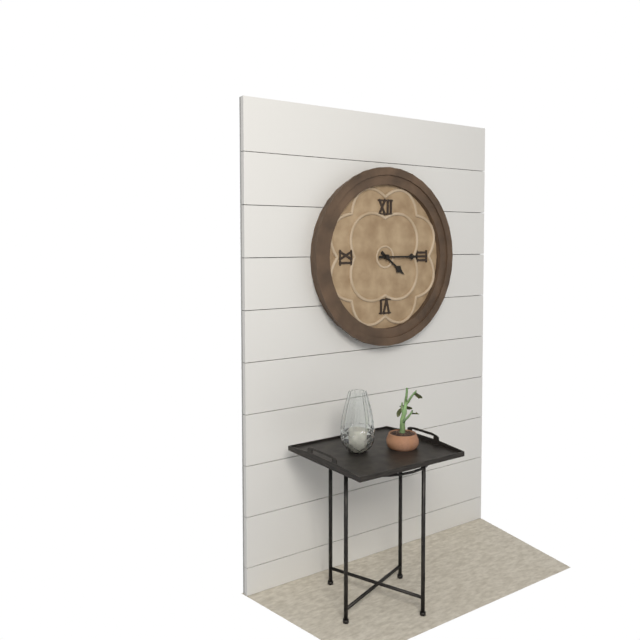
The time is 4:15
